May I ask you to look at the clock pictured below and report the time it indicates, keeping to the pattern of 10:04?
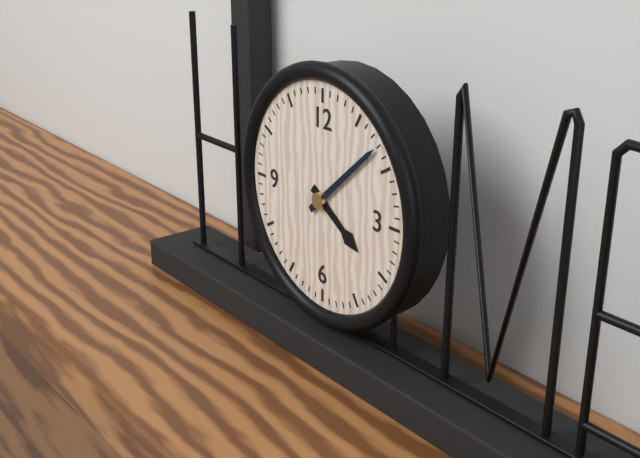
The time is 4:08
